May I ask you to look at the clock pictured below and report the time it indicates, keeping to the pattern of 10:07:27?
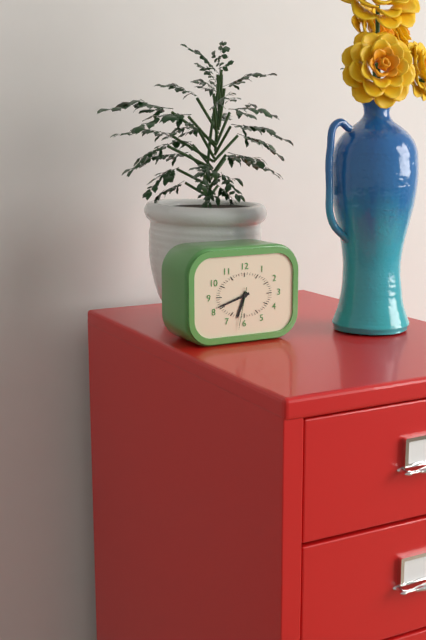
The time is 6:42:32
